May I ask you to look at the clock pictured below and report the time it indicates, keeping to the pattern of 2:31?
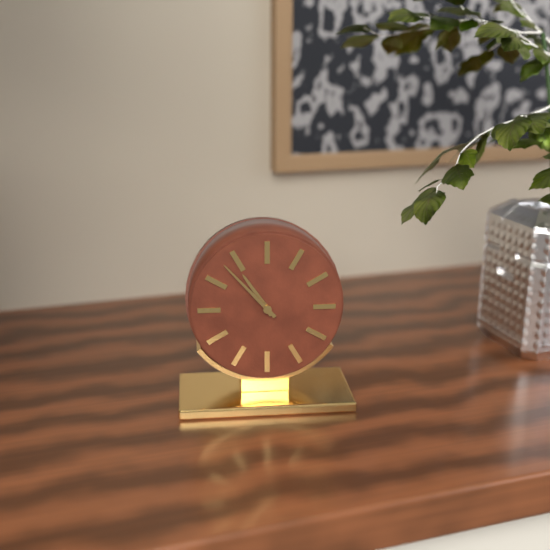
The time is 10:53
